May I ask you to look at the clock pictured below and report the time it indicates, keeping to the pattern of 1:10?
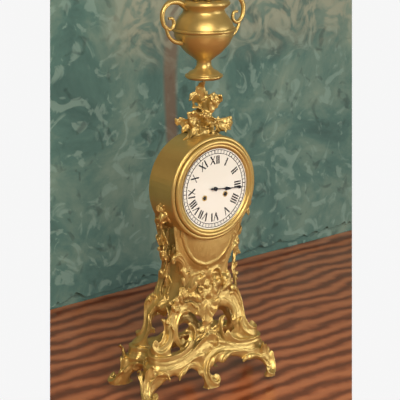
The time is 3:16
